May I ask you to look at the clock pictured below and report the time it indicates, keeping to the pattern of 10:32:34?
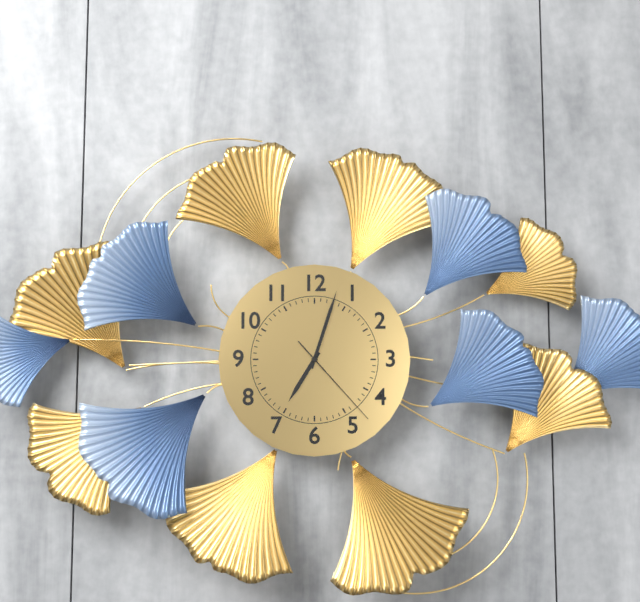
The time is 7:03:23
